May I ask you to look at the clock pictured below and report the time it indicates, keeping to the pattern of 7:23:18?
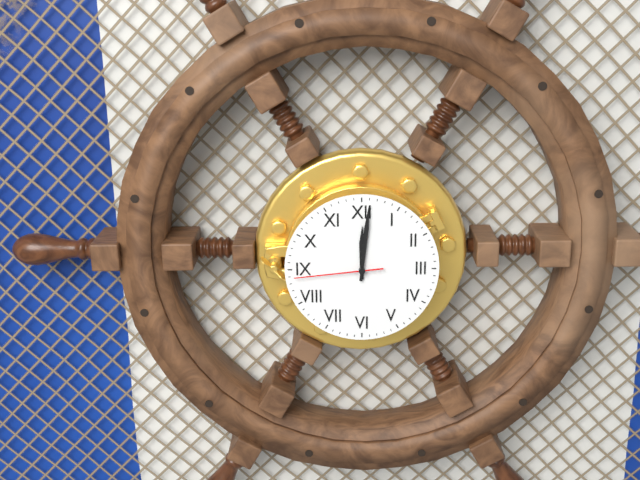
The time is 12:01:44
